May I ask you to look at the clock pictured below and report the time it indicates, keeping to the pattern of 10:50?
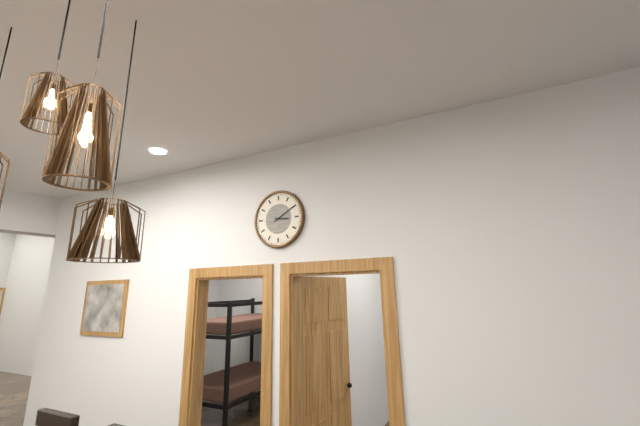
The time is 3:10
